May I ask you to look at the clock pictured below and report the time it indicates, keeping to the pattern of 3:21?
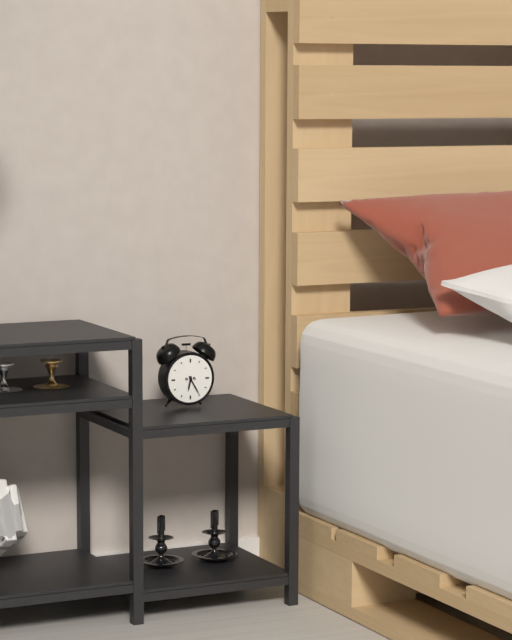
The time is 6:25
